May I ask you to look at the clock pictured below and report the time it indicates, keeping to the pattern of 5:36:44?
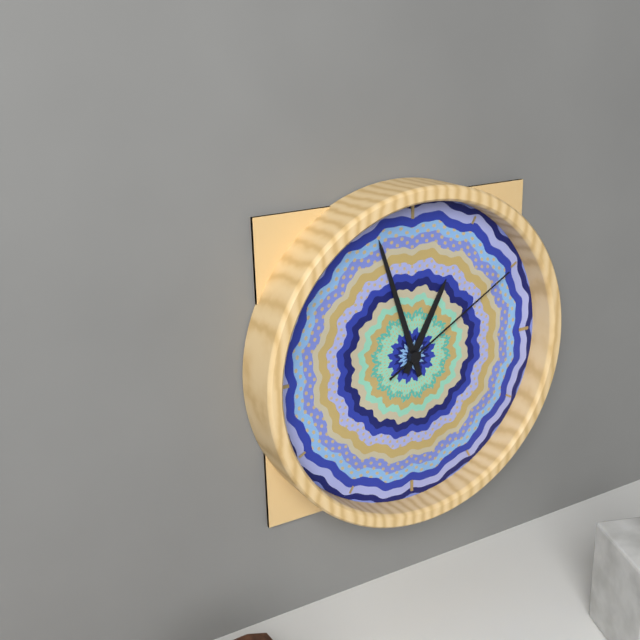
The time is 12:57:10
